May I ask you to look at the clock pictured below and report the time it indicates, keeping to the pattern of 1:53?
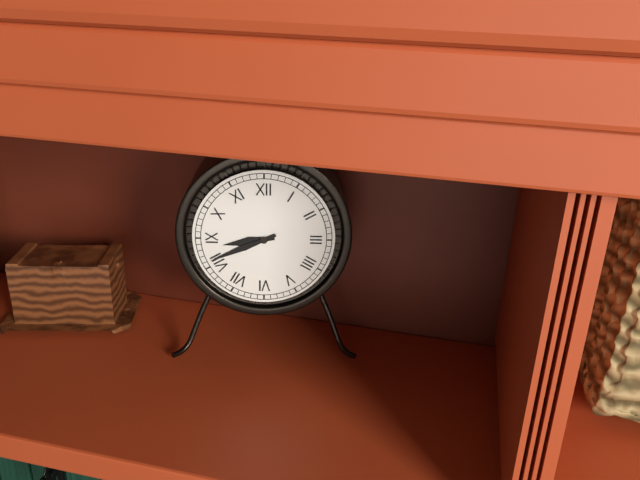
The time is 8:41
